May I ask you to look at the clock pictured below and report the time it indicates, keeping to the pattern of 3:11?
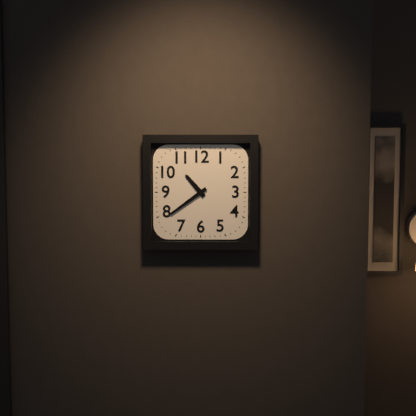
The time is 10:39
